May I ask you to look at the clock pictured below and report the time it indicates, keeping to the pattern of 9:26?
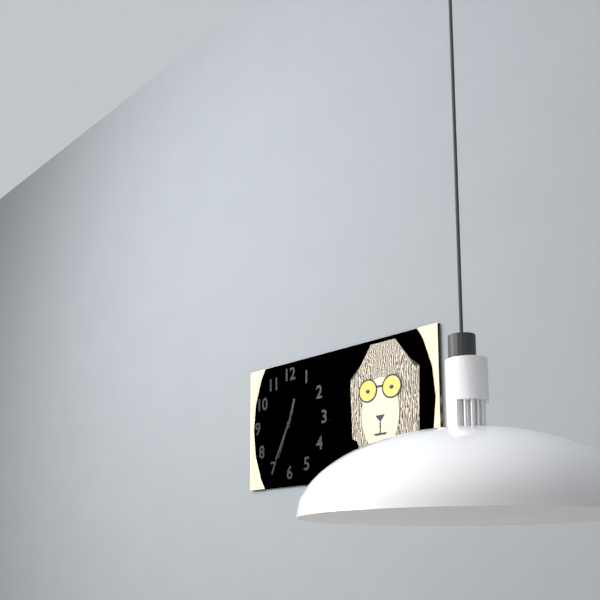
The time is 12:35
